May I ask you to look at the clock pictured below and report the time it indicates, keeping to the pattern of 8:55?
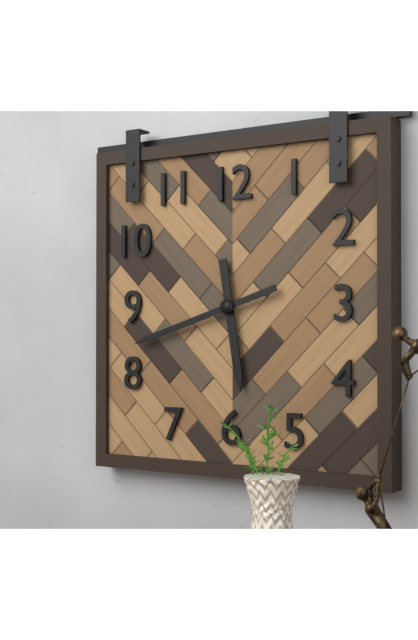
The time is 5:42
